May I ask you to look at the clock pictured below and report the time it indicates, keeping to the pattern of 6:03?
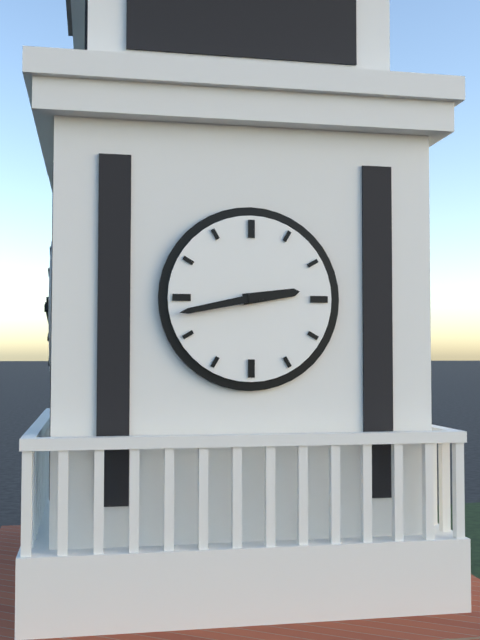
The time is 2:43
